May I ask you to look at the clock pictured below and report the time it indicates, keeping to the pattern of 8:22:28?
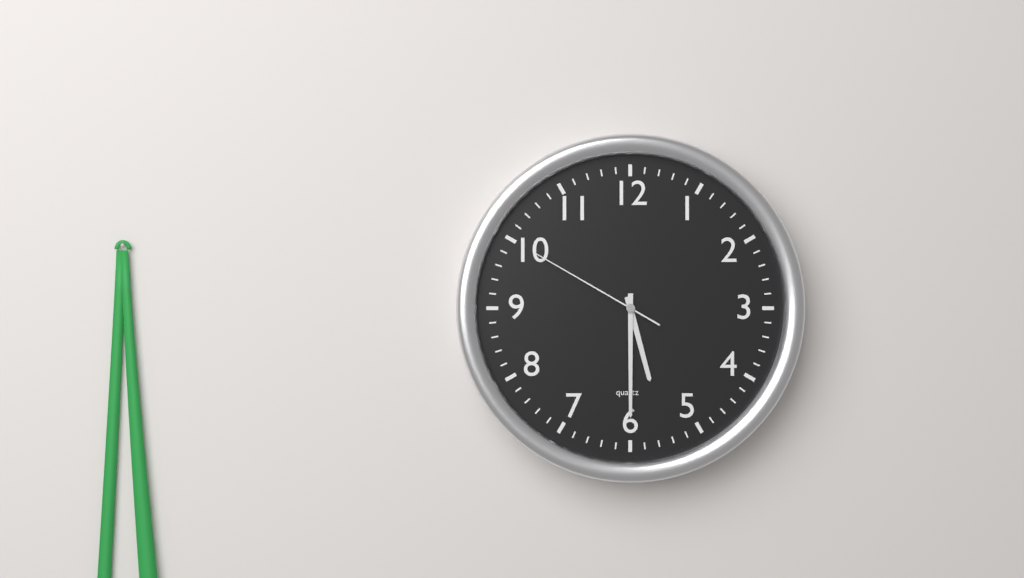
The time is 5:30:50
